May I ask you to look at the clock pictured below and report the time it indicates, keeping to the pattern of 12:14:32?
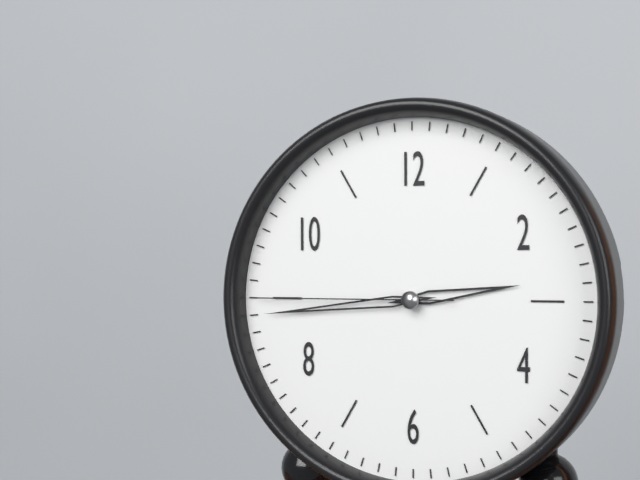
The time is 2:44:45
